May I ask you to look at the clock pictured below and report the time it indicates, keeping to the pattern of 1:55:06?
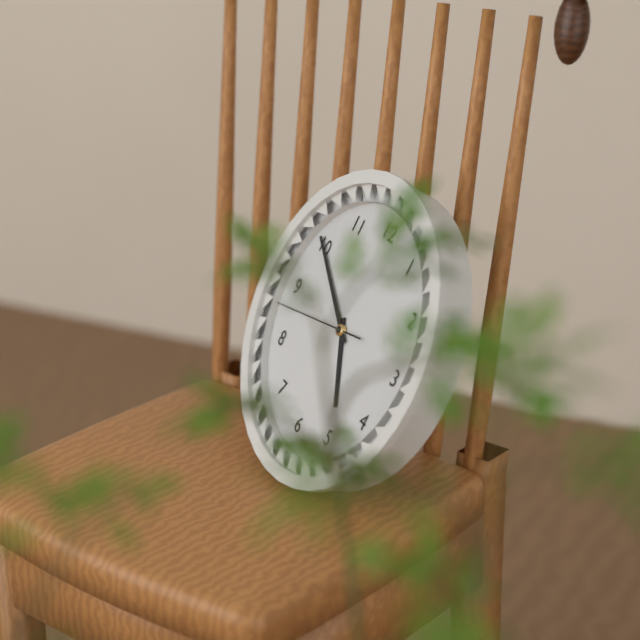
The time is 4:50:43
